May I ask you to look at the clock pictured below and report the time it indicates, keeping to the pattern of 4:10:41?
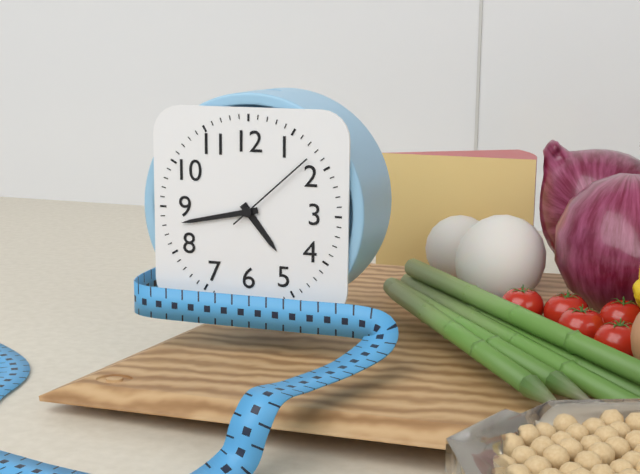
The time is 4:43:08
